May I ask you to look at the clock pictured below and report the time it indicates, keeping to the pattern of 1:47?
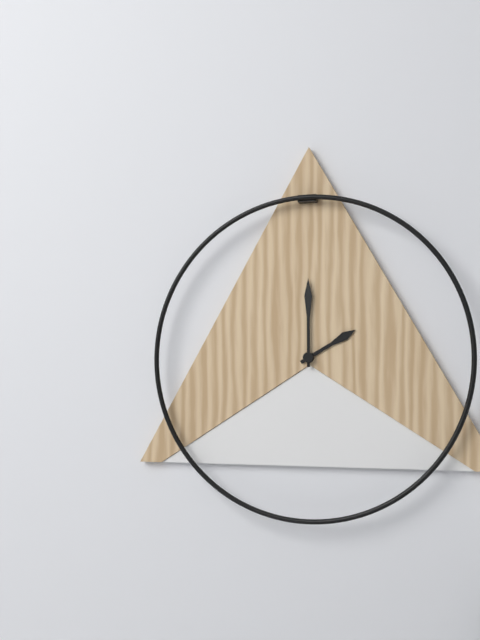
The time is 2:00
